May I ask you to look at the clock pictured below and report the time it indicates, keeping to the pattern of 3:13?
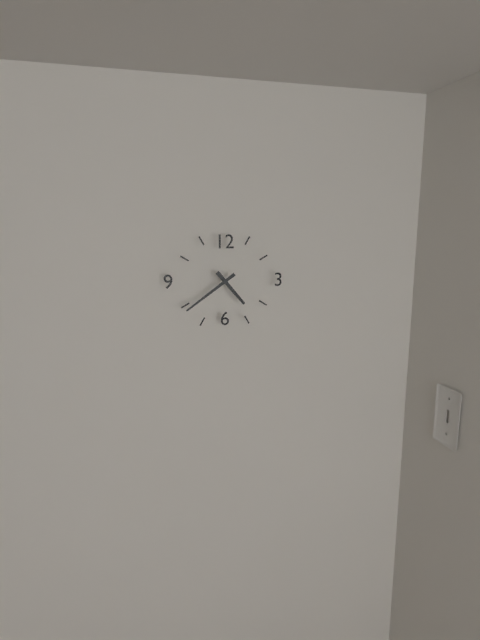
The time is 4:39
